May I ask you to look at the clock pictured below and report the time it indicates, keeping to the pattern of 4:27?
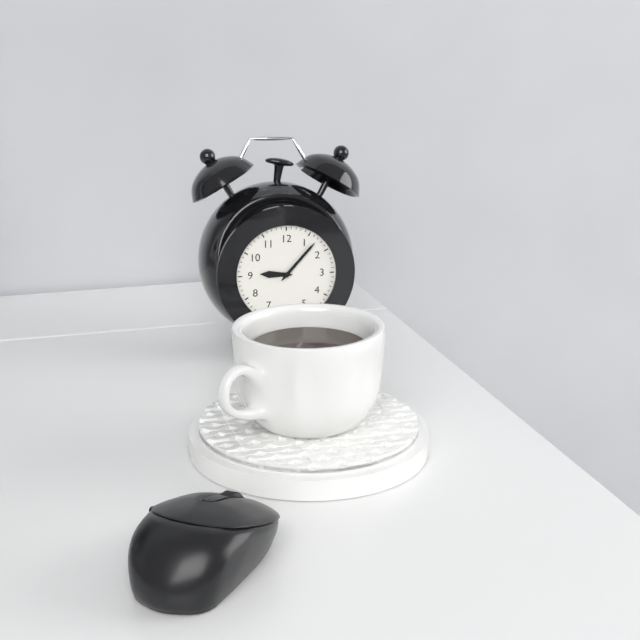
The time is 9:07
